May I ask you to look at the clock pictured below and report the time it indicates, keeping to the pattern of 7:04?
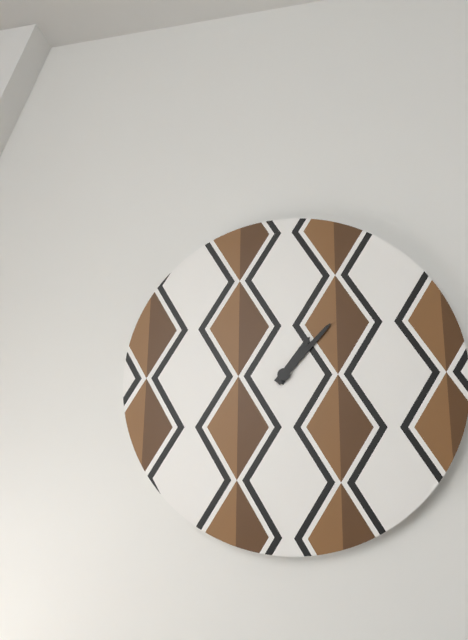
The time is 1:07
